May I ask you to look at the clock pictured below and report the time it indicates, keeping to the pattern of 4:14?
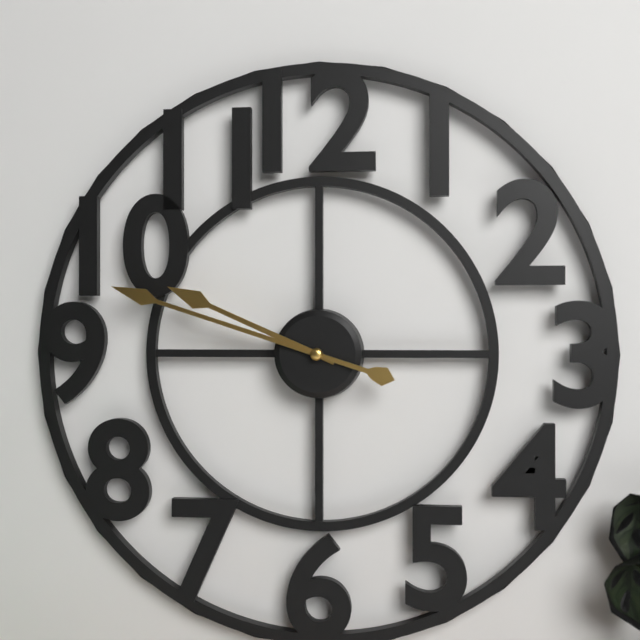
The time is 9:48
